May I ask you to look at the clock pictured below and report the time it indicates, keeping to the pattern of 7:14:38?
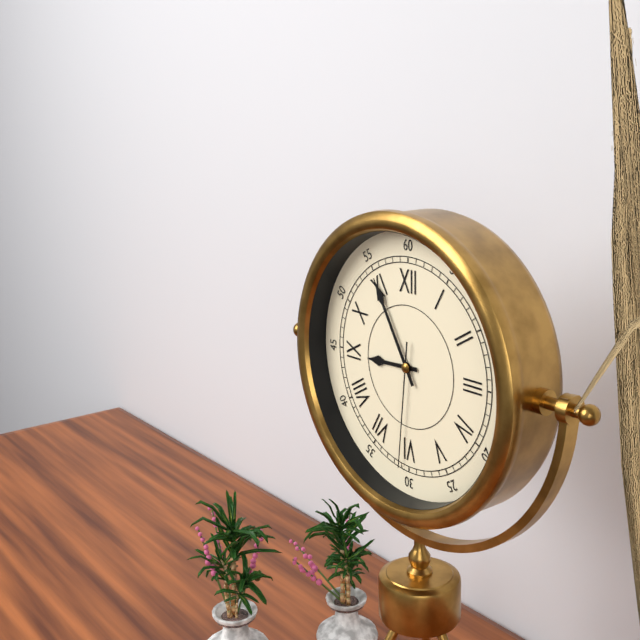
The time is 8:55:31
